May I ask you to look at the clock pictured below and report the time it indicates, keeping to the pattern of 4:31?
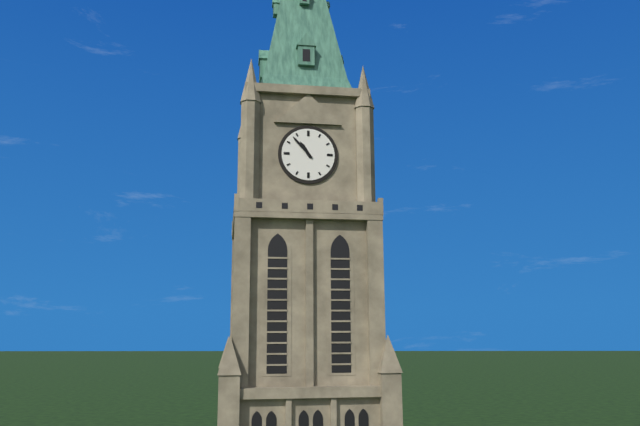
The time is 10:53
